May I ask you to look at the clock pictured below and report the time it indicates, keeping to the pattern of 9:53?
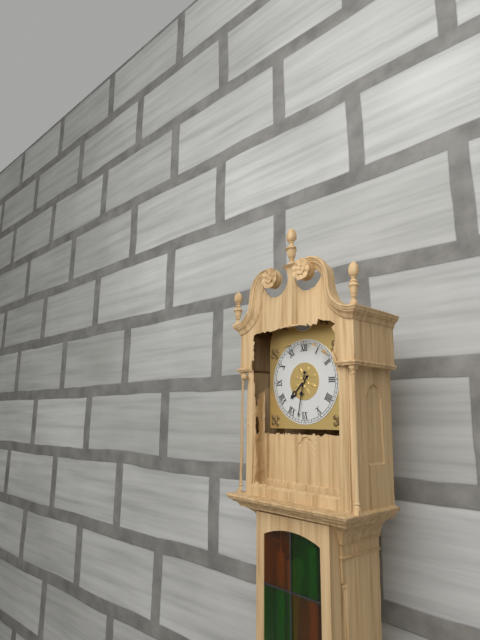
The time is 7:32
